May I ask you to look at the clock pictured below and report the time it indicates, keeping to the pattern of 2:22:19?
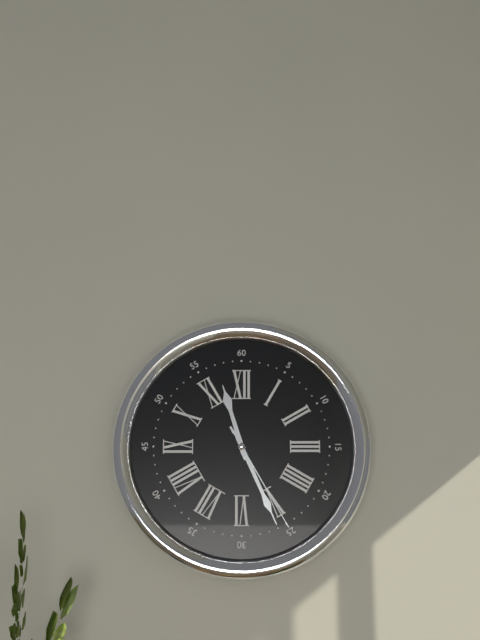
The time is 11:26:25
